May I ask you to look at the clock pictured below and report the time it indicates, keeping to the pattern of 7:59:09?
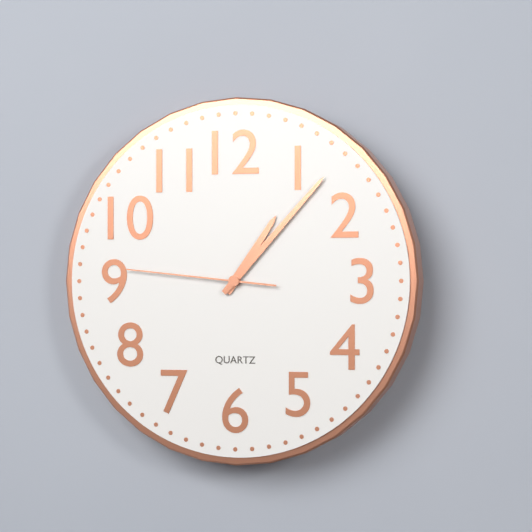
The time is 1:07:46
